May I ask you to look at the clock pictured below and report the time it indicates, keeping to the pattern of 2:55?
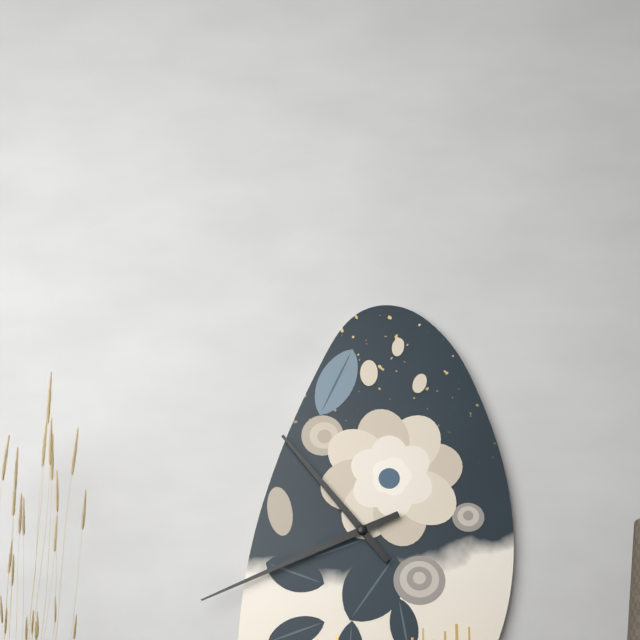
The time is 10:41
